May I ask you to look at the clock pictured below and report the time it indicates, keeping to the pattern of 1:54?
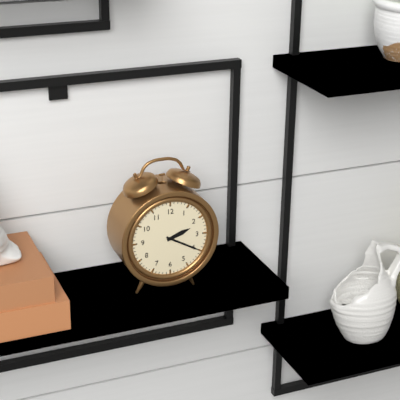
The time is 2:20
